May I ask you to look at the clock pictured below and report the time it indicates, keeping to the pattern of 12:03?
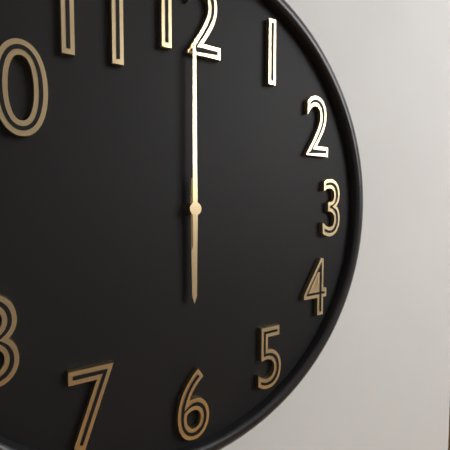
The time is 6:00
